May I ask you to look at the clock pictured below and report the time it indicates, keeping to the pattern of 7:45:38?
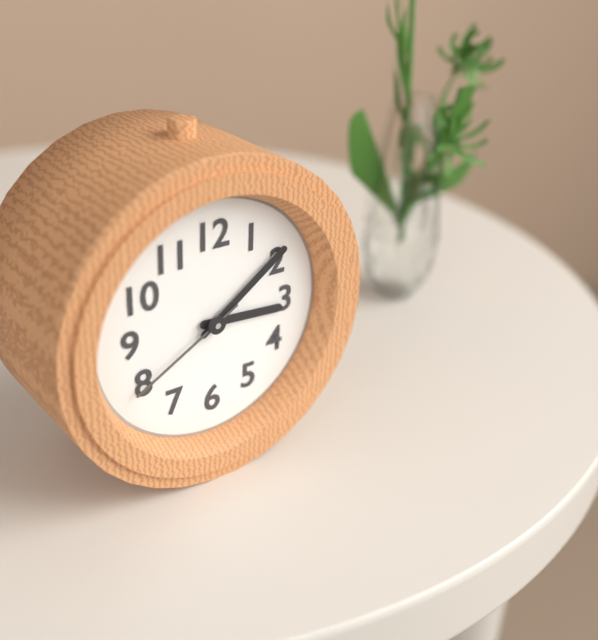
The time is 3:09:40
